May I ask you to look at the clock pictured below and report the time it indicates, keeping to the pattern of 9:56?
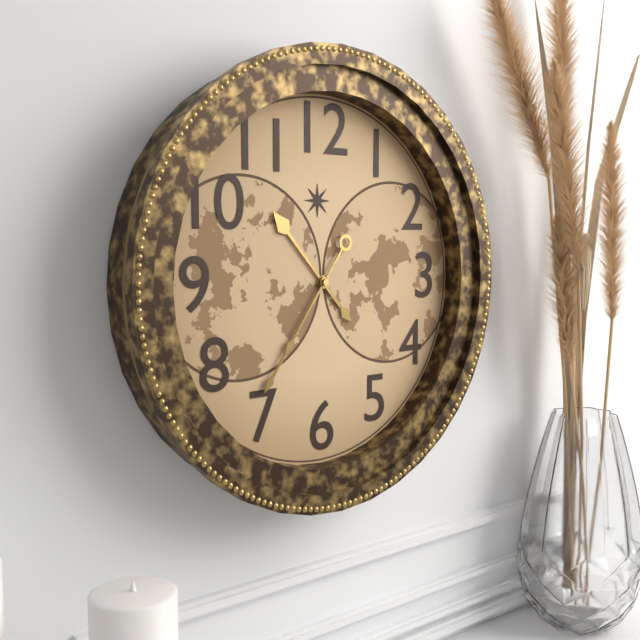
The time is 10:36
